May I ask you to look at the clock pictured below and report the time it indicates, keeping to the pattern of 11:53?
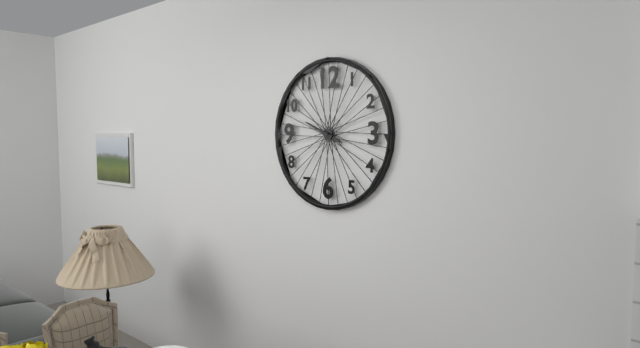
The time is 3:49
